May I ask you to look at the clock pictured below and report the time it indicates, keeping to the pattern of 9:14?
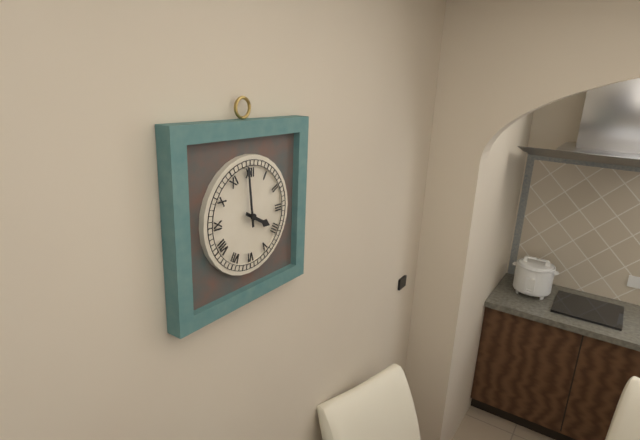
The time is 3:59
